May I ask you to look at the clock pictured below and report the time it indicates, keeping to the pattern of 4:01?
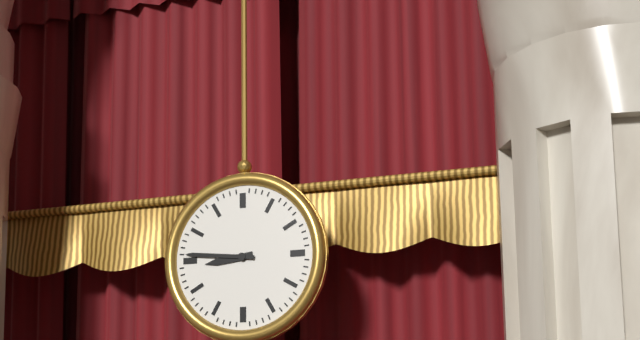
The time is 8:46
